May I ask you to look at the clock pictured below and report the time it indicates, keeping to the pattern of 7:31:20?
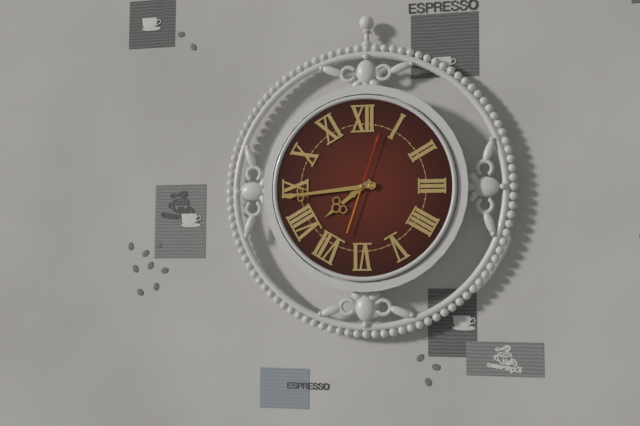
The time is 7:44:03
